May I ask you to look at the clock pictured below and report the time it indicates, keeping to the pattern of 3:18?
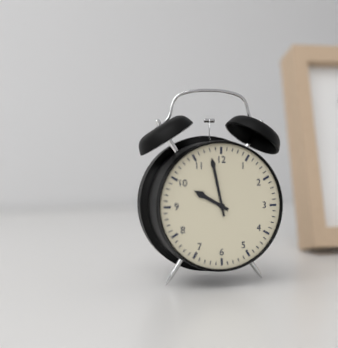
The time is 9:58
